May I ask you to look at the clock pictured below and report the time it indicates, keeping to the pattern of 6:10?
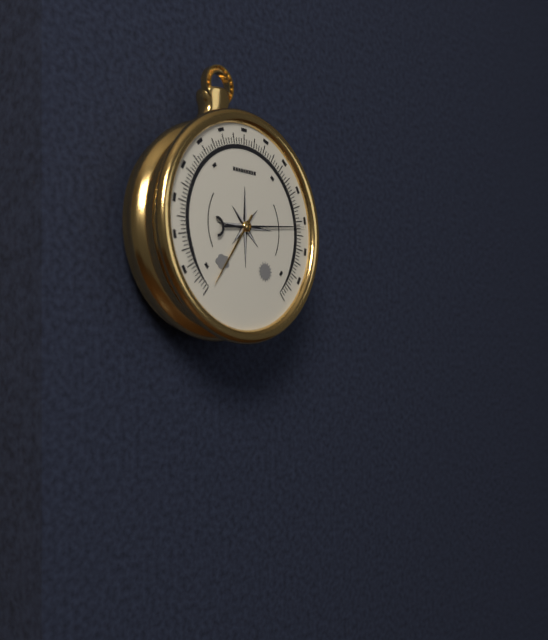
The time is 7:14
